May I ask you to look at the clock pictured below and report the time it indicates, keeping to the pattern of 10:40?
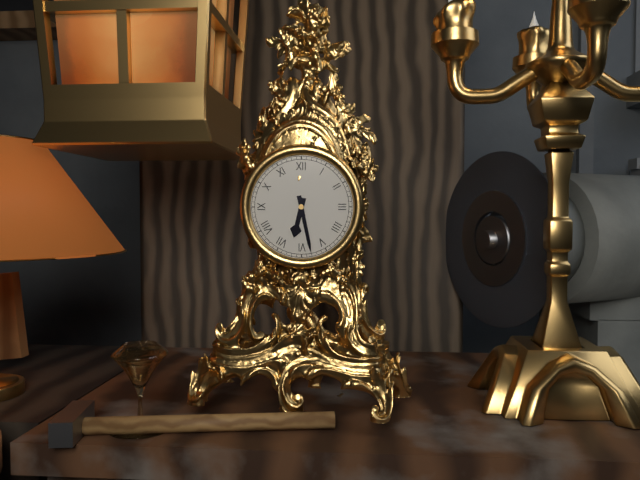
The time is 6:28
